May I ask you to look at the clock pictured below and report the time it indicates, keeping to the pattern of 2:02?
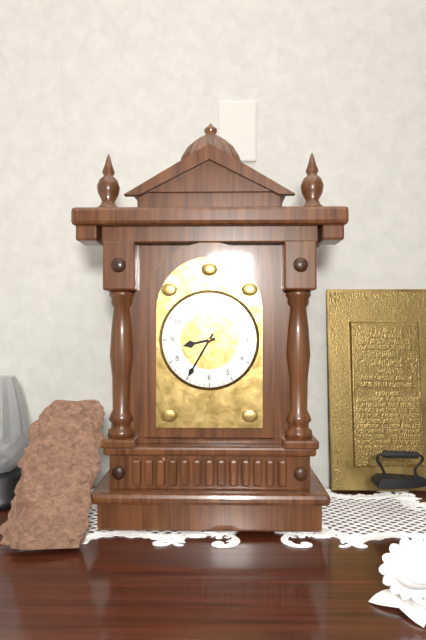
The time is 8:35
